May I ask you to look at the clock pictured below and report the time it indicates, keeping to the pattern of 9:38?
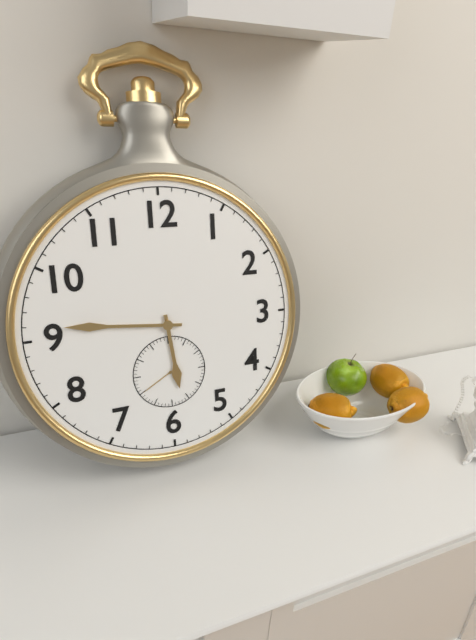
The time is 5:46
